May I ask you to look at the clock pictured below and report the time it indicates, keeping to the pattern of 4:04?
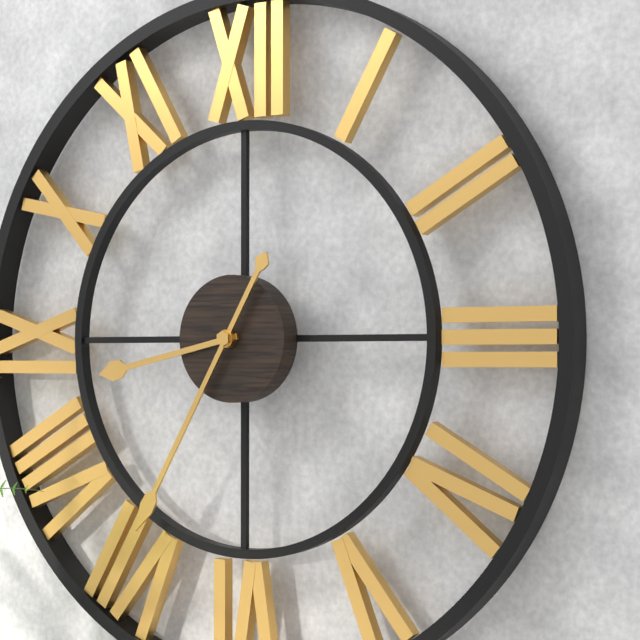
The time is 8:35
